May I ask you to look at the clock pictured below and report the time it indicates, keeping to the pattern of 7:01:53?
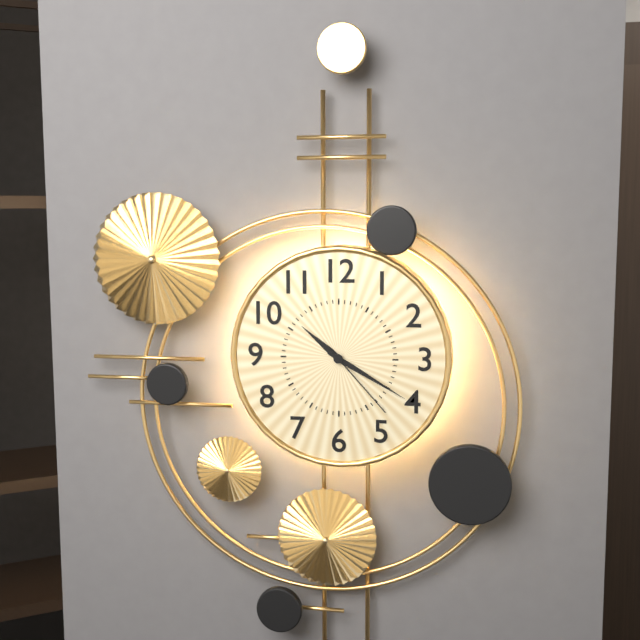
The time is 10:20:23
